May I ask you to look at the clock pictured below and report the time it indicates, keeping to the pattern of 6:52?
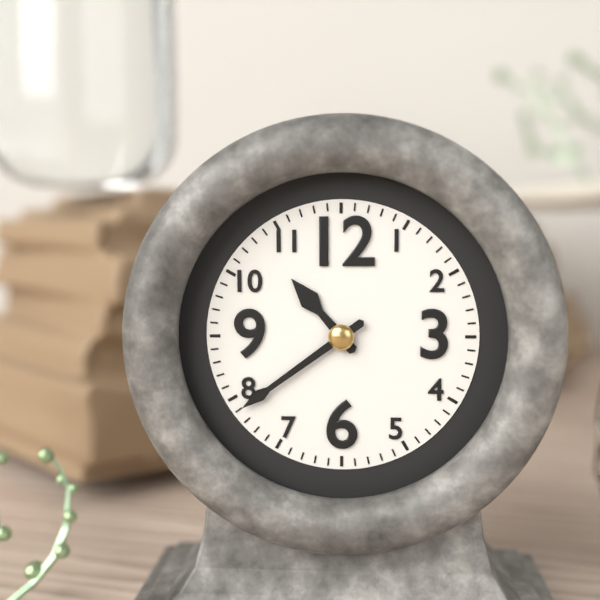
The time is 10:39
